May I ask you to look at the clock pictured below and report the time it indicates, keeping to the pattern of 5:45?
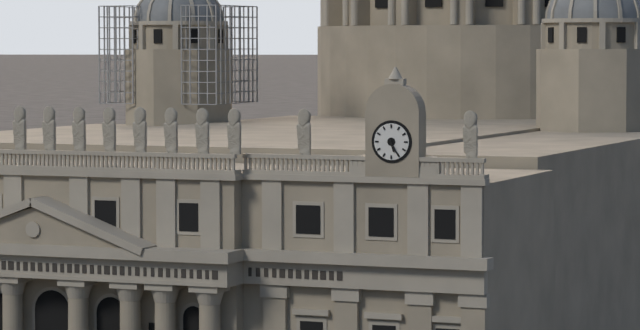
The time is 5:25
